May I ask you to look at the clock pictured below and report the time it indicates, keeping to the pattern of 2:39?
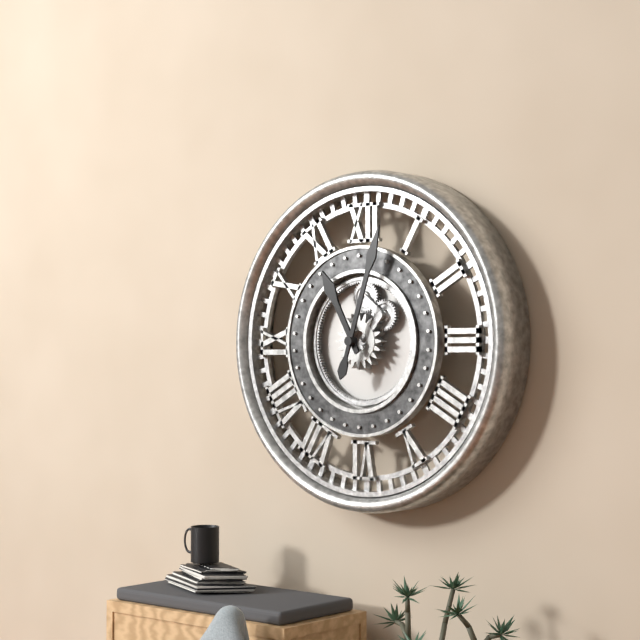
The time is 11:03
